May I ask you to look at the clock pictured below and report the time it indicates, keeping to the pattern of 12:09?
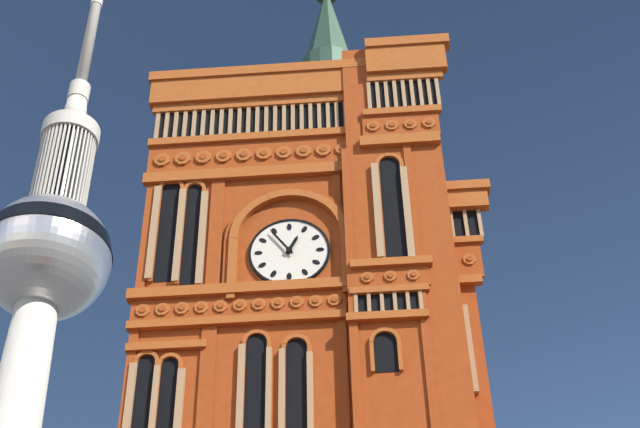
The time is 12:54
